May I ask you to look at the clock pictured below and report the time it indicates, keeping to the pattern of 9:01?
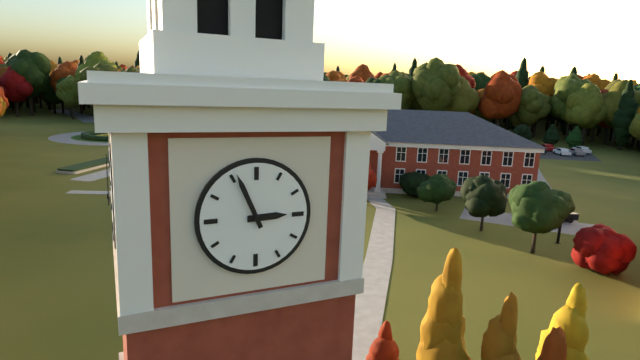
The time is 2:56
